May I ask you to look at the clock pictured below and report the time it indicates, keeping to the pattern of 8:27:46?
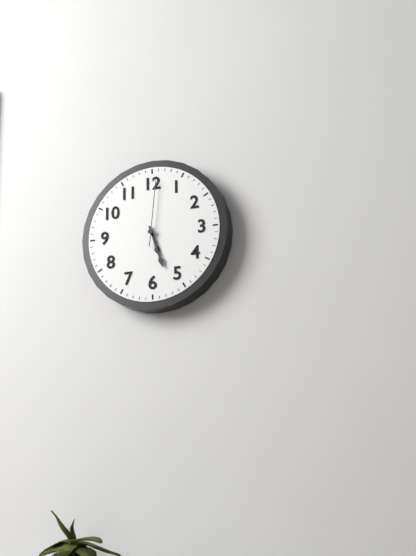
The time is 5:27:01
